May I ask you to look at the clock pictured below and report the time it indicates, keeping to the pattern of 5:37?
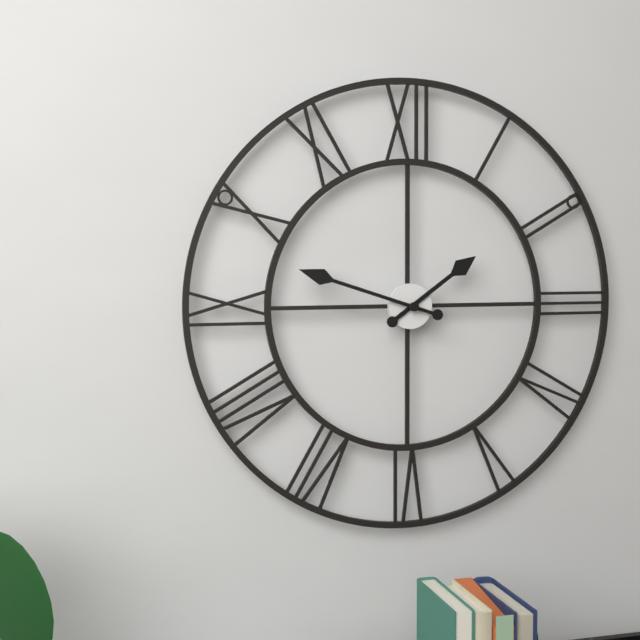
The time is 1:48
